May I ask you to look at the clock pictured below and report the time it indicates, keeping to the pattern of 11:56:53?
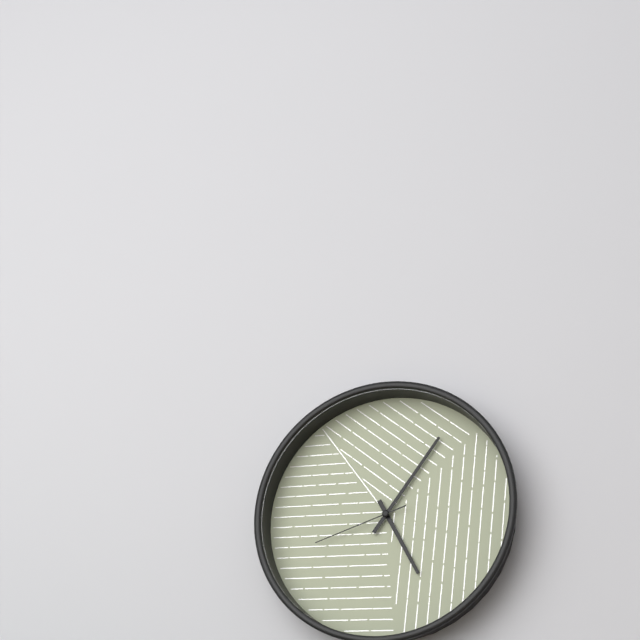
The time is 5:06:42
